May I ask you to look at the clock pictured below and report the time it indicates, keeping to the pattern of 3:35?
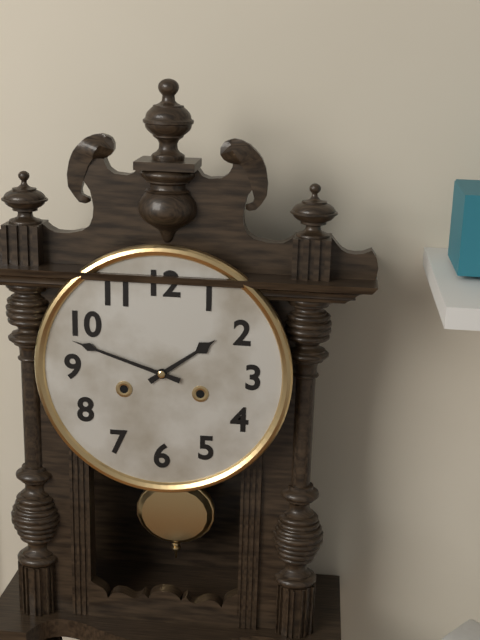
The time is 1:48
